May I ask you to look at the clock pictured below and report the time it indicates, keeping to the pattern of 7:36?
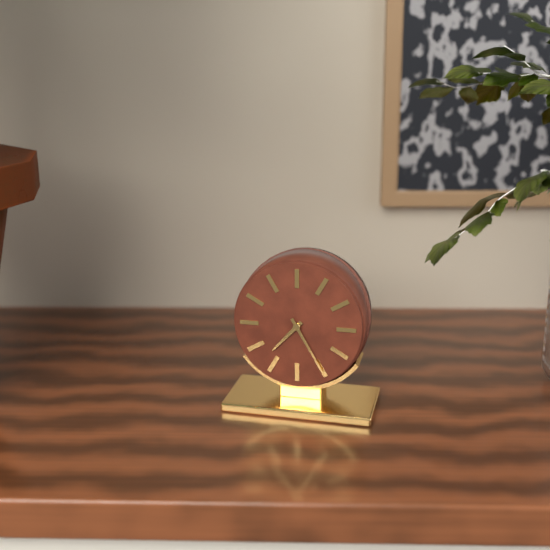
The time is 7:25
